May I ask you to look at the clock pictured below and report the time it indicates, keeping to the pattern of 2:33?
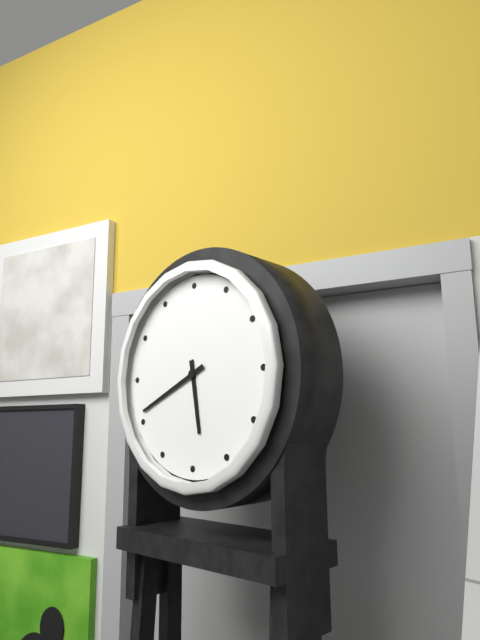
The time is 5:41
